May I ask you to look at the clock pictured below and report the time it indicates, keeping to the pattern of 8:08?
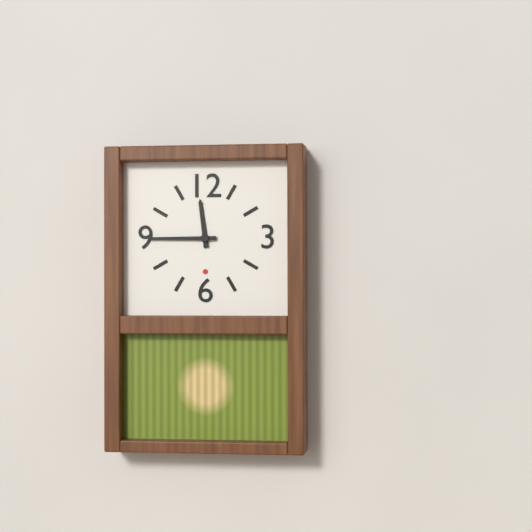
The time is 11:45
